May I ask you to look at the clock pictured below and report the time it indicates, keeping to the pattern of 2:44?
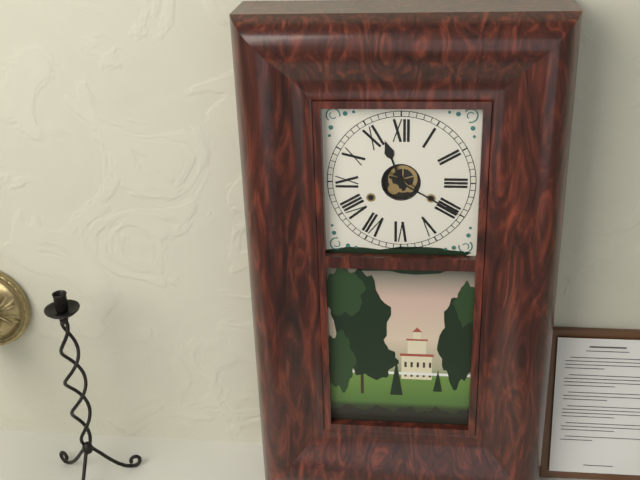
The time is 11:20
